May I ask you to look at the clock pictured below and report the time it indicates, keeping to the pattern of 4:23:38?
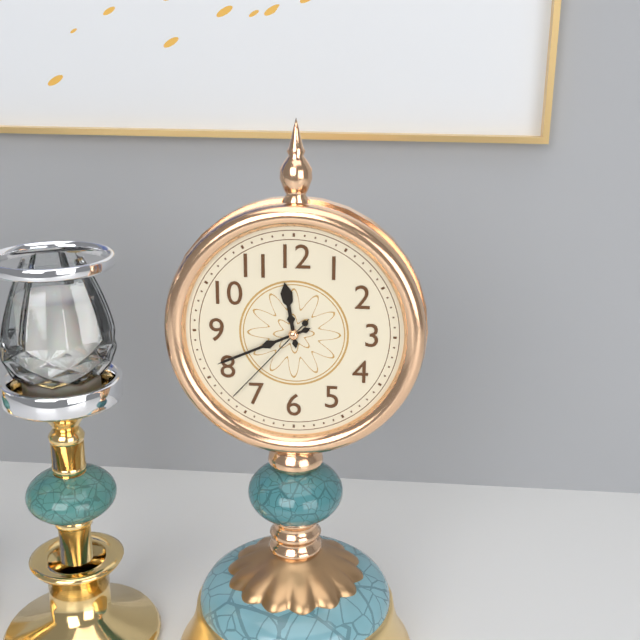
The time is 11:41:37
